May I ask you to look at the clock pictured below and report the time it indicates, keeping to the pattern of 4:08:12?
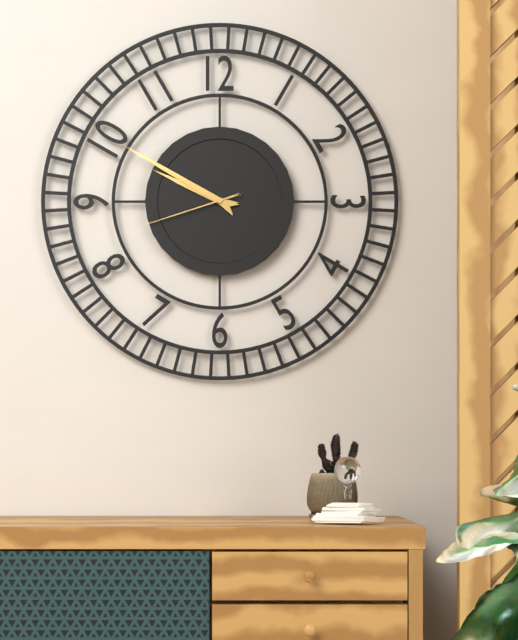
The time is 9:50:42
